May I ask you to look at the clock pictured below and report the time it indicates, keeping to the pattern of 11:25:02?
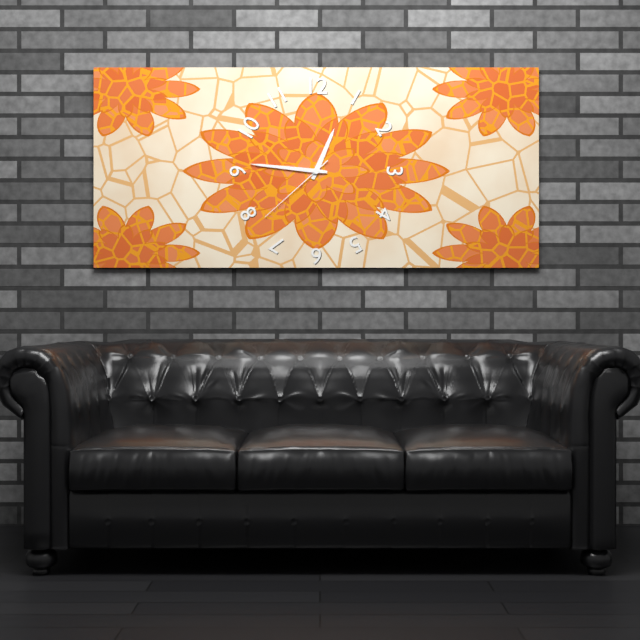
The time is 12:46:38
